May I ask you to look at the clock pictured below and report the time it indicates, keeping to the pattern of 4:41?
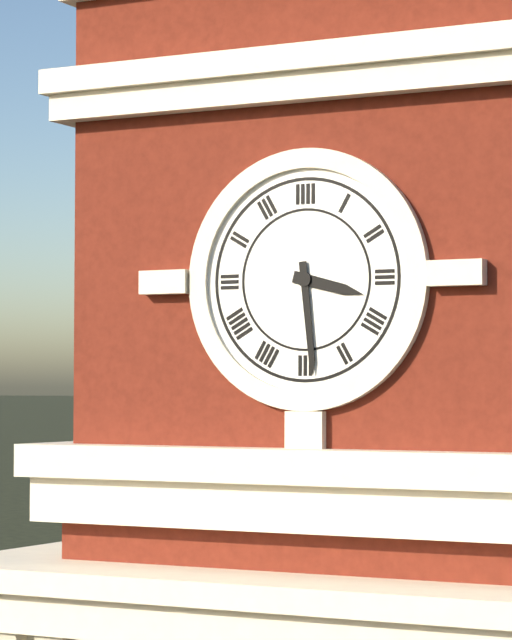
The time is 3:29
